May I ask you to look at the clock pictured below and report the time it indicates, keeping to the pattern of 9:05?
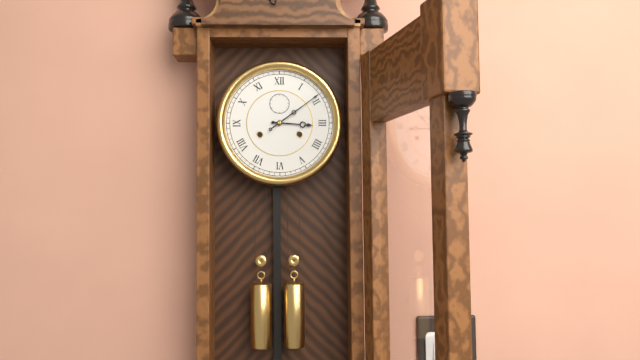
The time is 3:09
